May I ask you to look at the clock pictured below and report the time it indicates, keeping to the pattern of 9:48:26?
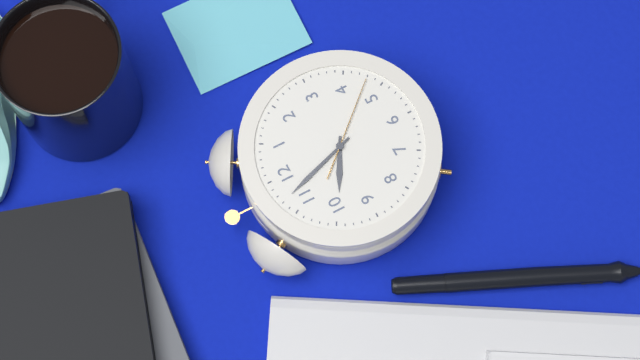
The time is 9:57:23
